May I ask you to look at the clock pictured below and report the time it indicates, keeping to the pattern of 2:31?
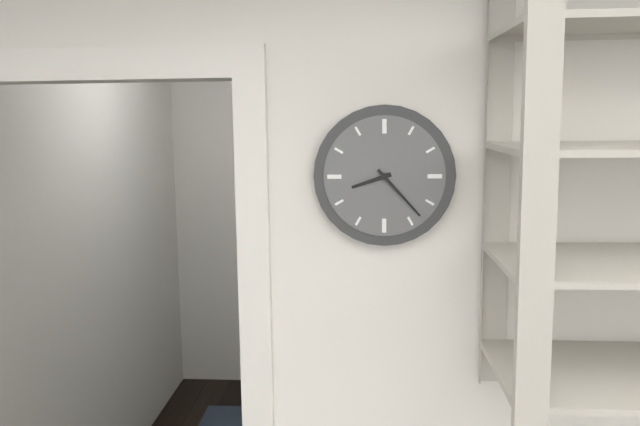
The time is 8:23
